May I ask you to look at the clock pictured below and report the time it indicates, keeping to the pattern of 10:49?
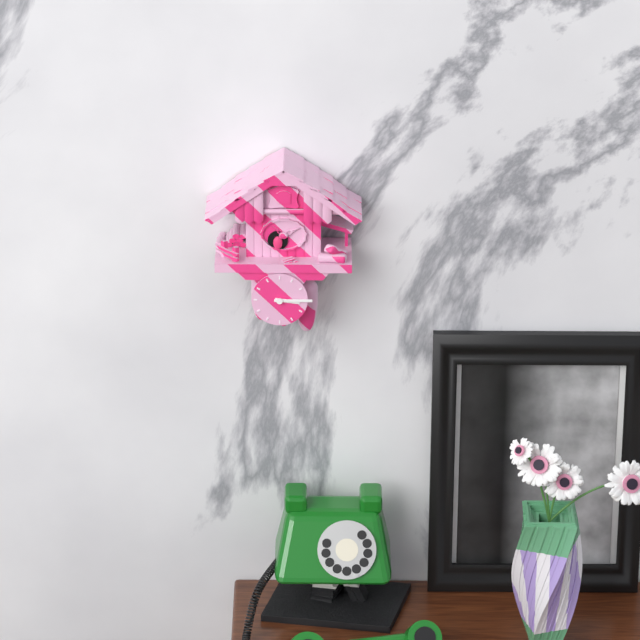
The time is 3:15
